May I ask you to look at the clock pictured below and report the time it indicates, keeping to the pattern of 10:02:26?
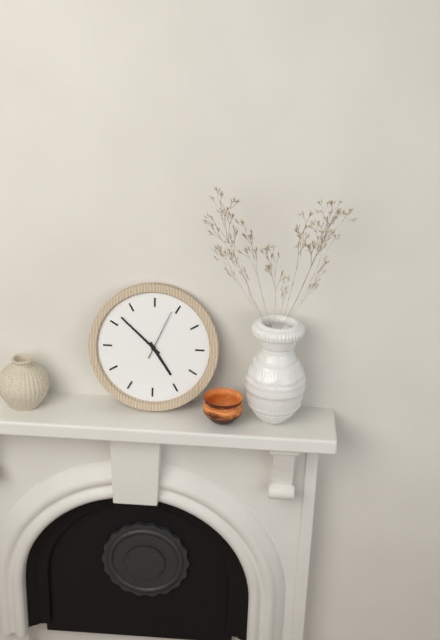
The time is 4:52:04
